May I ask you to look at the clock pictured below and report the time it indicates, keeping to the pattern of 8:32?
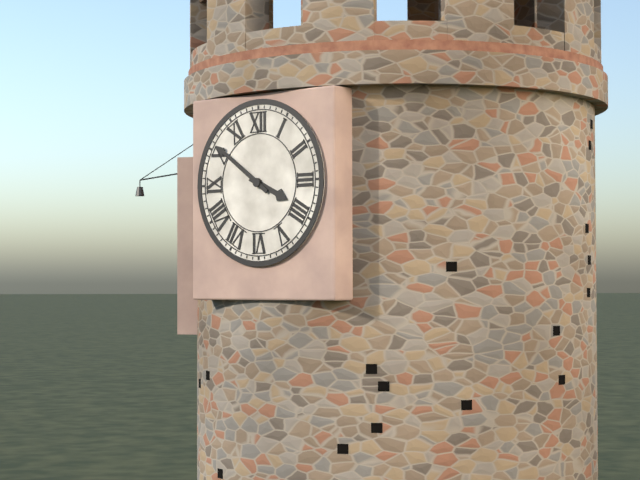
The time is 3:51
